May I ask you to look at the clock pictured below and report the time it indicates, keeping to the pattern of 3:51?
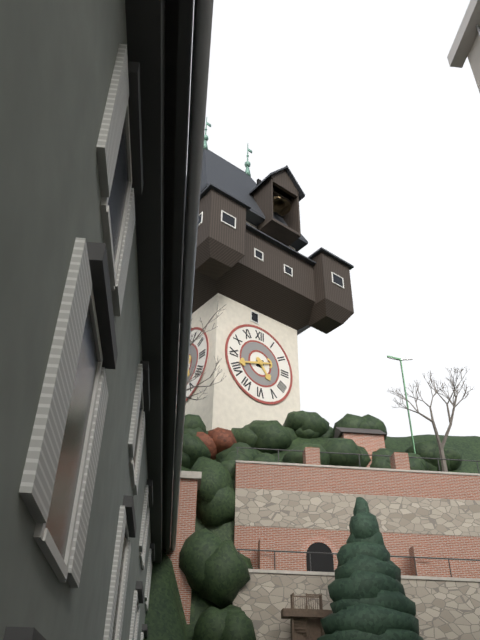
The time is 4:42
